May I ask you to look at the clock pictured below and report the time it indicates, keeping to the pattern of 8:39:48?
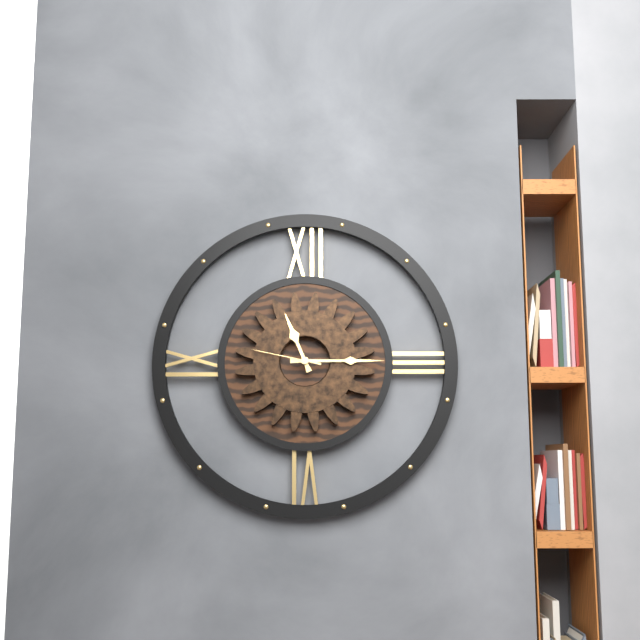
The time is 11:15:47
